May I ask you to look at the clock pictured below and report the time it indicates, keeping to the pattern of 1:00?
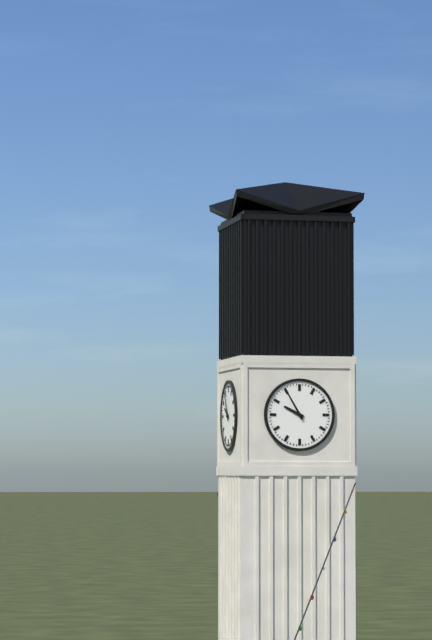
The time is 9:55
